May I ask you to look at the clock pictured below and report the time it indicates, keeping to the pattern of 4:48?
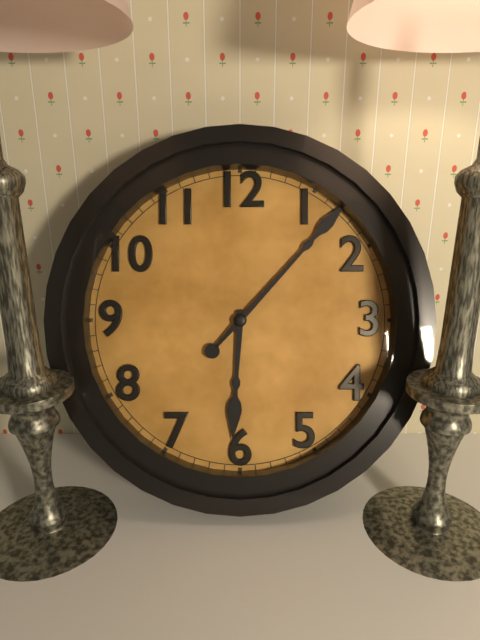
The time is 6:07
